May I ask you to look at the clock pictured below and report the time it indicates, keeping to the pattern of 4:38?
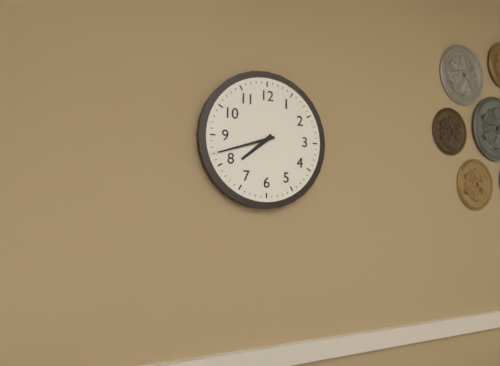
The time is 7:42
